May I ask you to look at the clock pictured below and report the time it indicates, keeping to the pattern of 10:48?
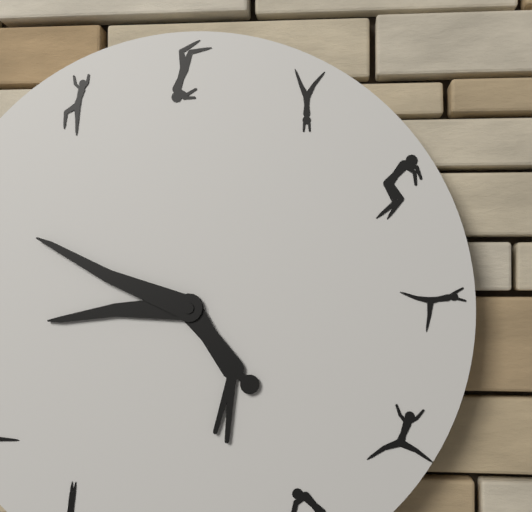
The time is 8:49
